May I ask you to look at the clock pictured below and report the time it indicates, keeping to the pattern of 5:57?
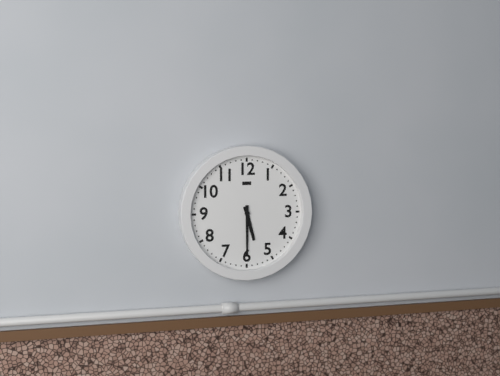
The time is 5:30
